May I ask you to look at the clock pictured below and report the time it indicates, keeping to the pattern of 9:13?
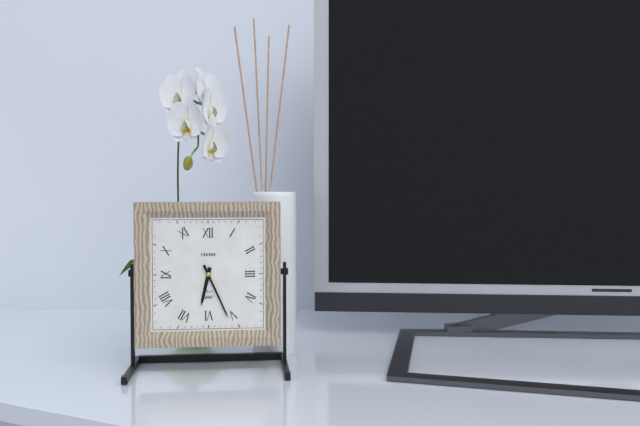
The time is 6:26
